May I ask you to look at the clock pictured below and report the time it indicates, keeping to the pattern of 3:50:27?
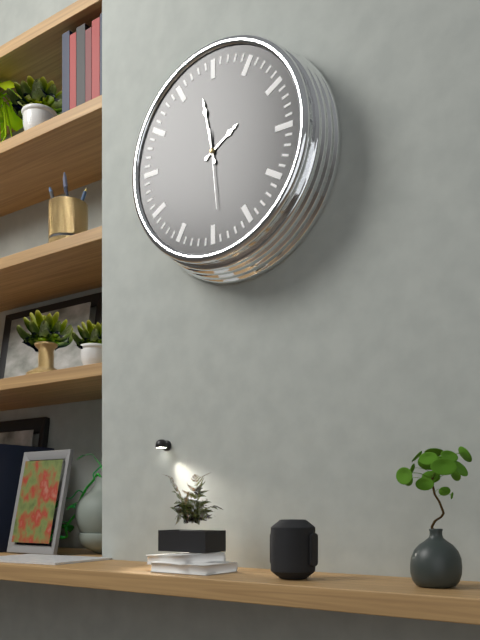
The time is 1:58:29
